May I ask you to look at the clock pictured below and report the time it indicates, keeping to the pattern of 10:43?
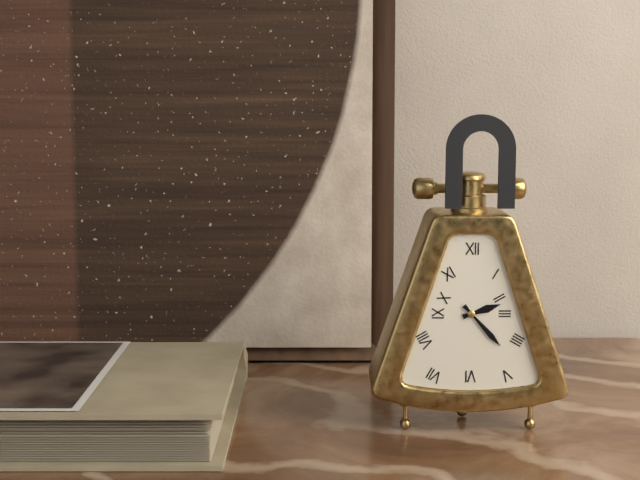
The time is 2:23
